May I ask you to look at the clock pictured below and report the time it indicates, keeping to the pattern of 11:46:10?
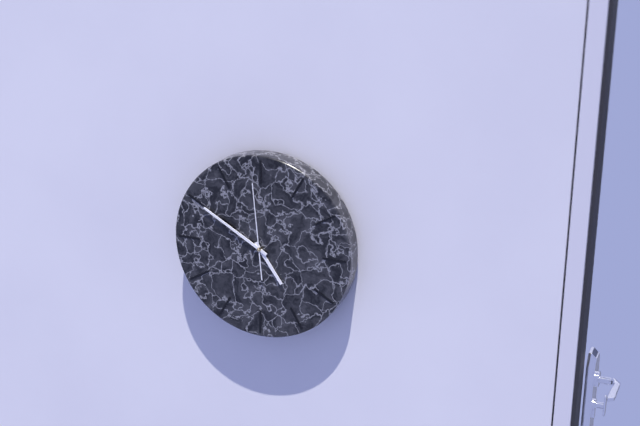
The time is 4:50:59
